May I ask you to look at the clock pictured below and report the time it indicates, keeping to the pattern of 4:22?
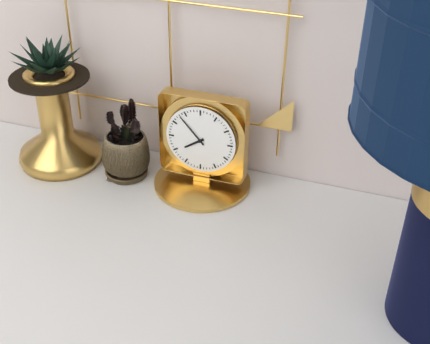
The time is 7:53
